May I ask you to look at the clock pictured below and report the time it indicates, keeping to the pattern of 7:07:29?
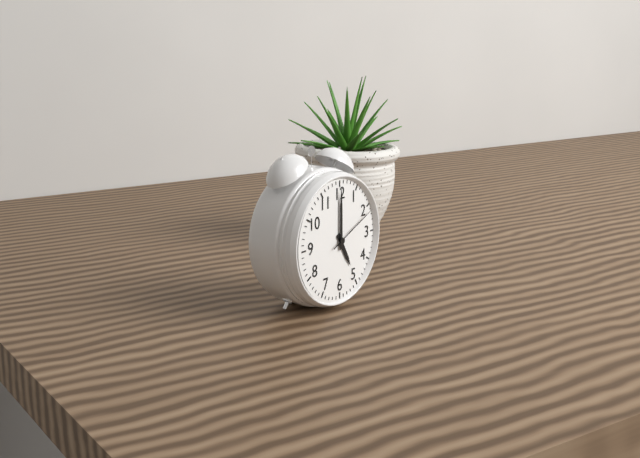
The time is 5:00:11
